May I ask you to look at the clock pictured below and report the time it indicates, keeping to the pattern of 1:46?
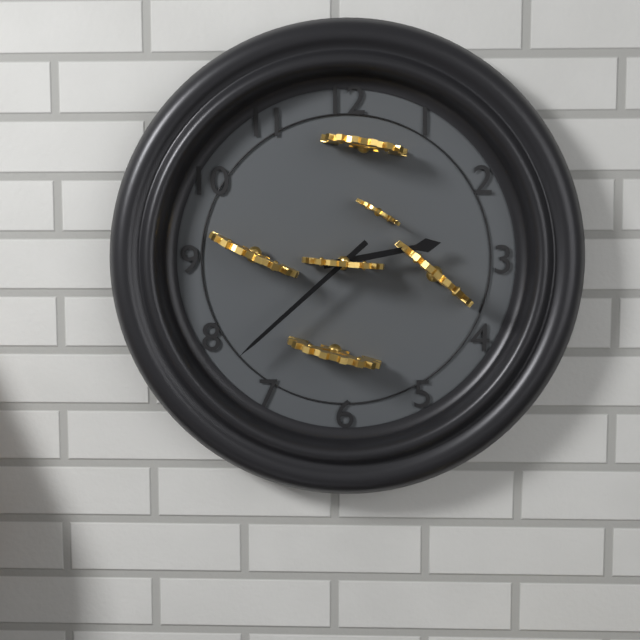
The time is 2:38
